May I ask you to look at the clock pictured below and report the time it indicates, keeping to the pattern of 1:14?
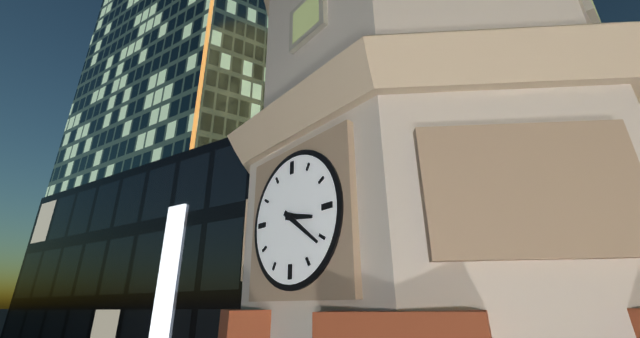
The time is 3:21
